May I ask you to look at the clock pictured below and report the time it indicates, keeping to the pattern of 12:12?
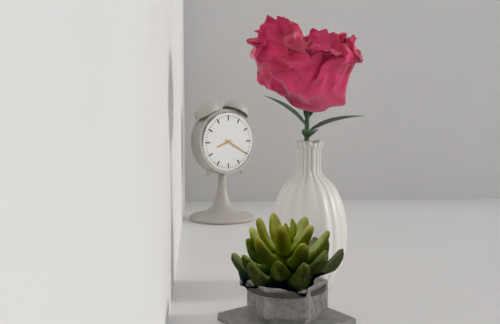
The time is 8:20
